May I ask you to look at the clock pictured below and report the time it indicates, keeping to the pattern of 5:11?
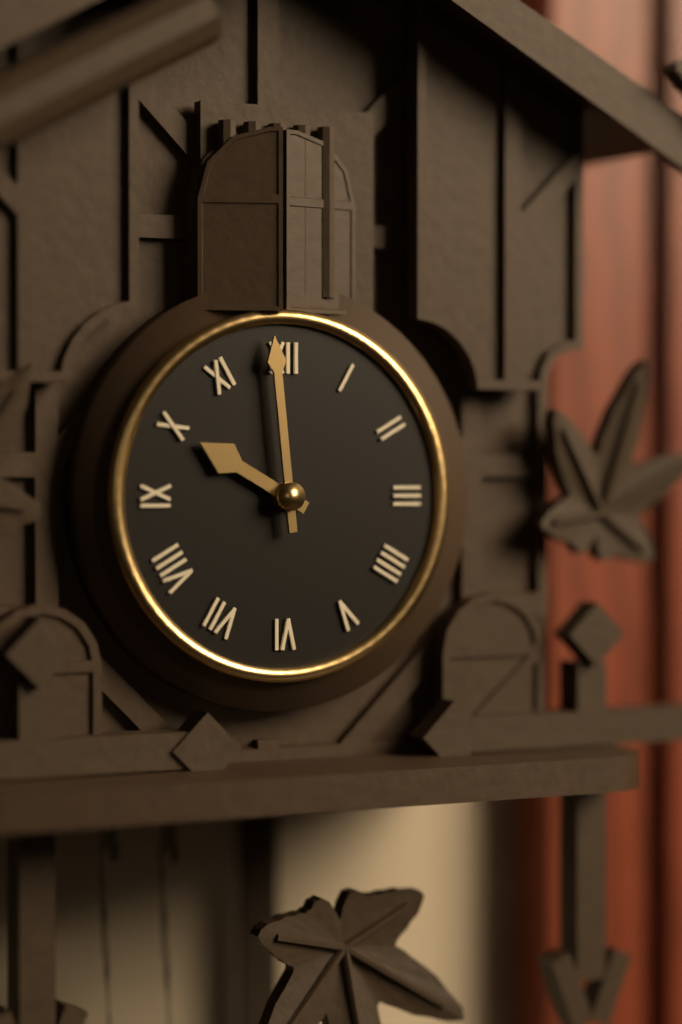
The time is 9:59
